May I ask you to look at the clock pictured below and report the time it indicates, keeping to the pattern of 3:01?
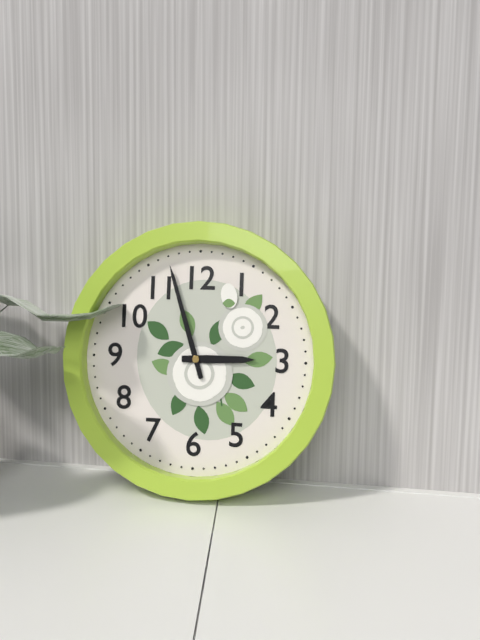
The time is 2:57
